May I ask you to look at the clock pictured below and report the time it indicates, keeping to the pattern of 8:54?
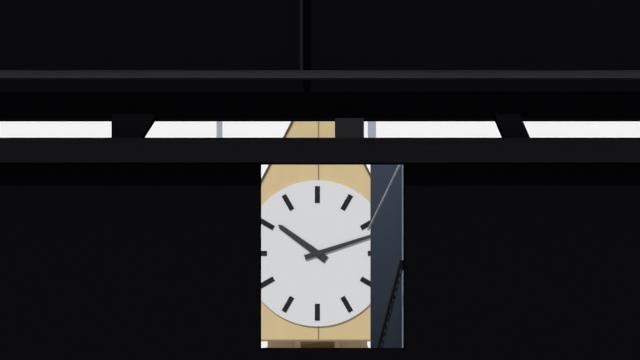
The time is 10:12
